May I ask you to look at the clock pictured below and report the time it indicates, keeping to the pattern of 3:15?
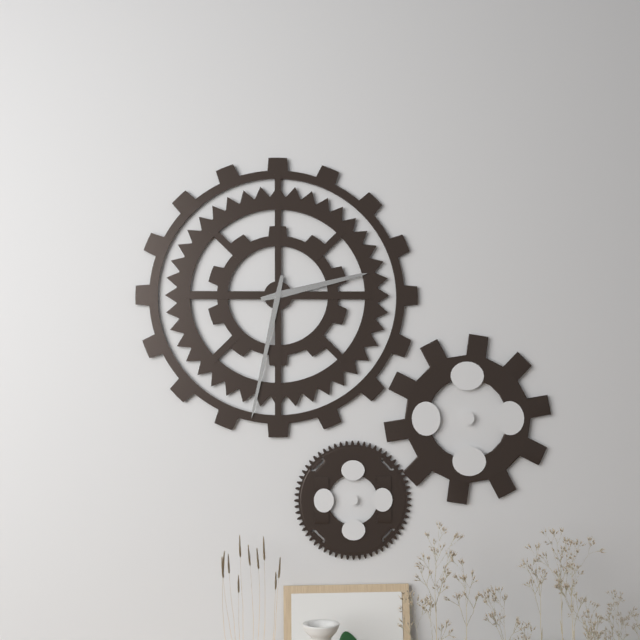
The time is 2:32
